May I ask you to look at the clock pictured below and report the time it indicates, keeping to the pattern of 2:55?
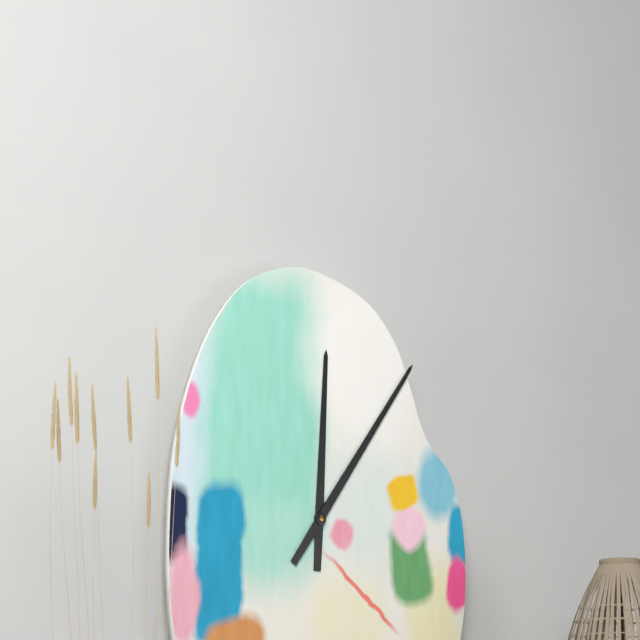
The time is 12:06
